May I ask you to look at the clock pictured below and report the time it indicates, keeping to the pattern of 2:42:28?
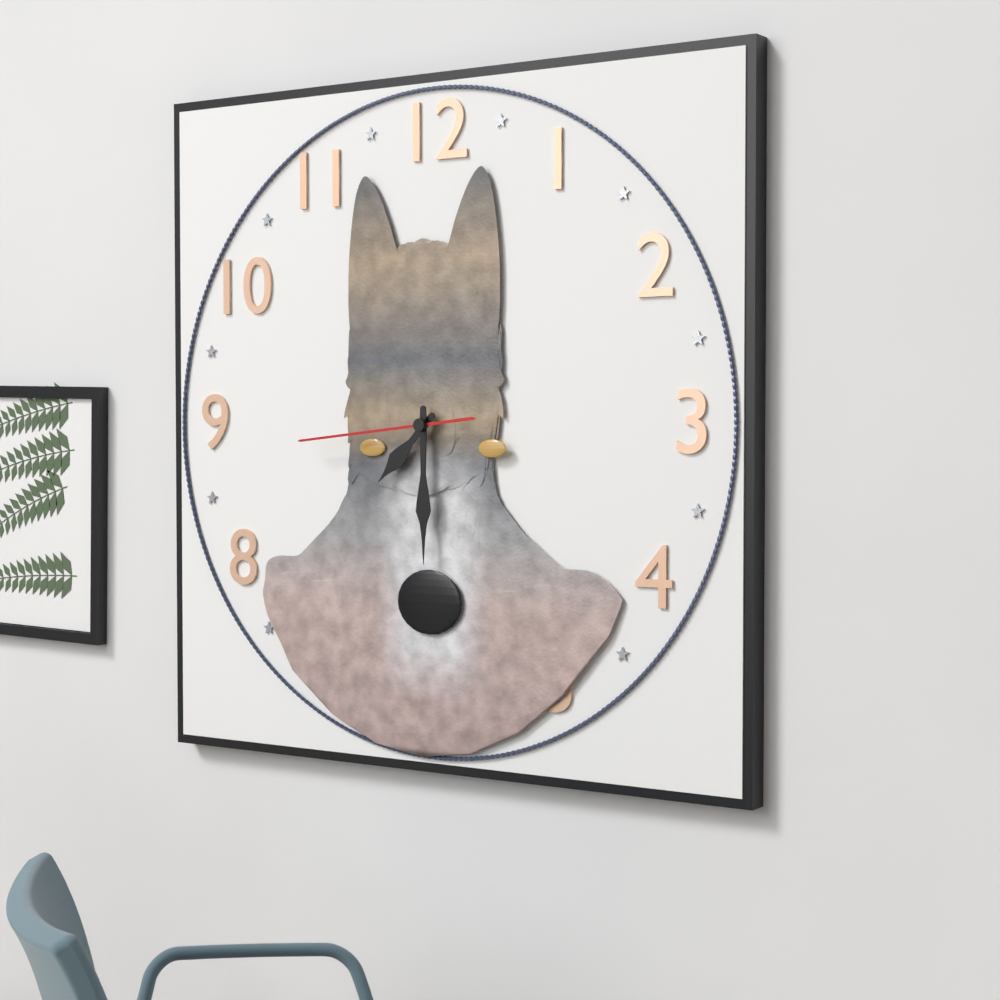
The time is 7:30:44
